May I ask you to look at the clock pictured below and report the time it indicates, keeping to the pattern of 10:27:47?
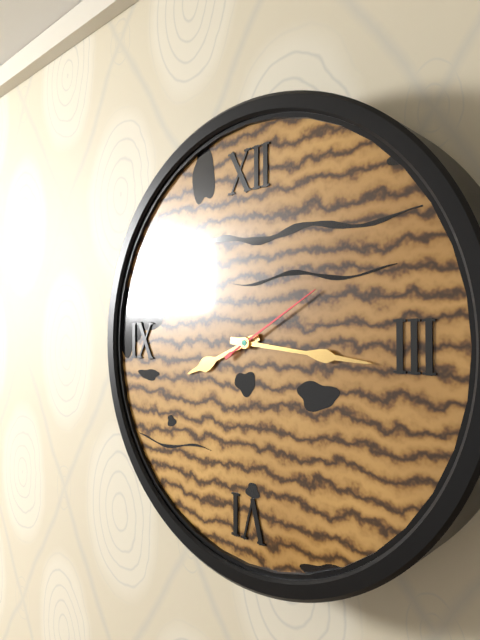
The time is 8:16:10
